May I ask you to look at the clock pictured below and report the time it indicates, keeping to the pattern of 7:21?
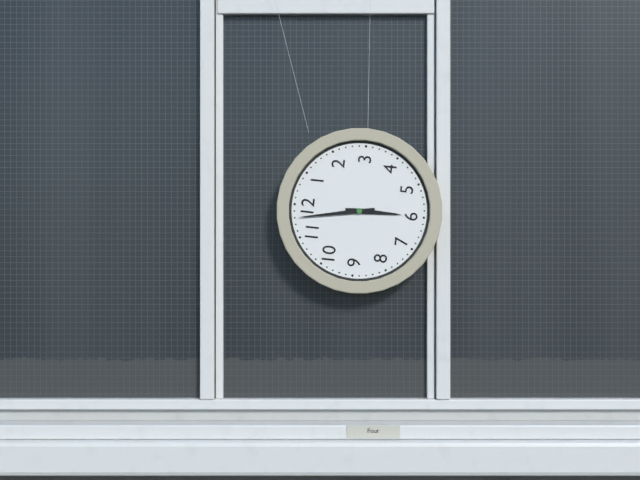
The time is 5:58
